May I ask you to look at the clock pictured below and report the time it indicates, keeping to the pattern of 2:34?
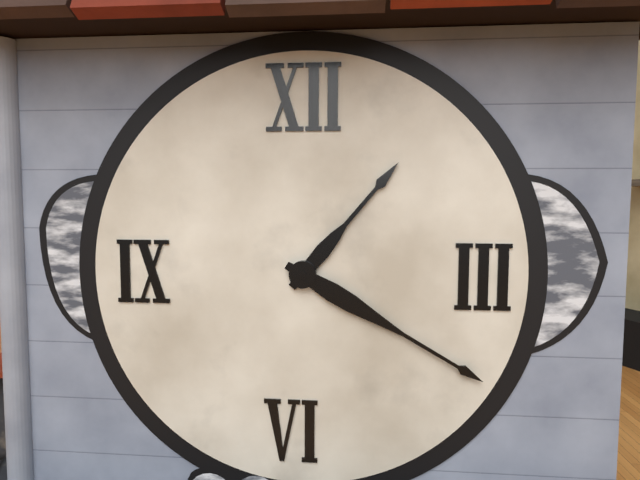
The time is 1:20
